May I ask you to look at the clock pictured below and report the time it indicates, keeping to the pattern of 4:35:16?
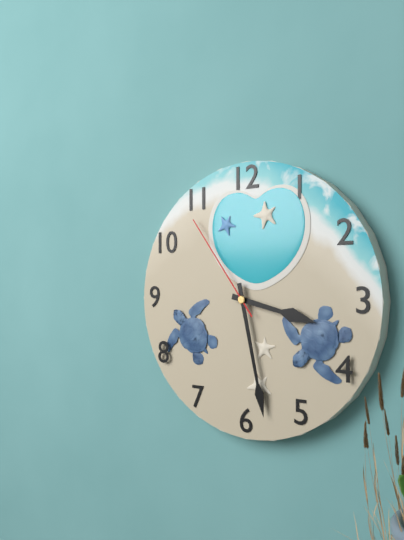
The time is 3:28:54
